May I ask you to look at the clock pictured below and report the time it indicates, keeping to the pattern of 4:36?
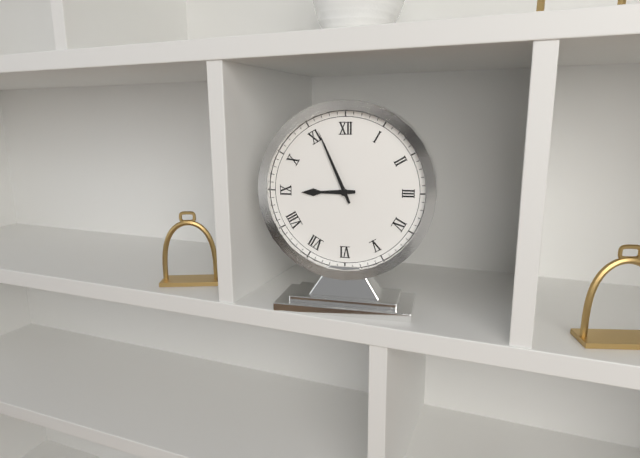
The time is 8:56
